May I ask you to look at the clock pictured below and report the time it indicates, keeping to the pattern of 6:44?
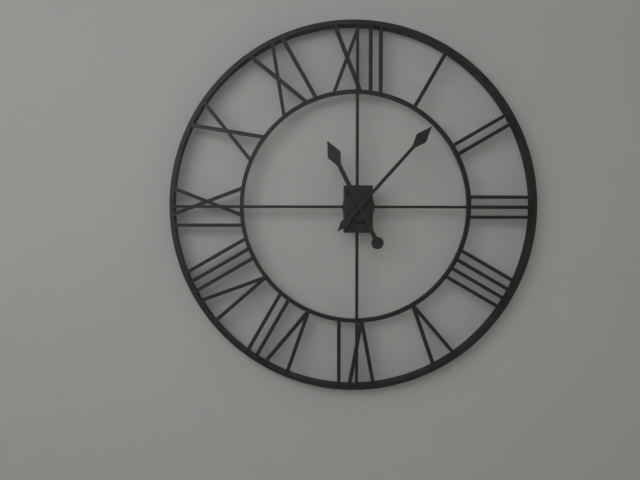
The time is 11:07
